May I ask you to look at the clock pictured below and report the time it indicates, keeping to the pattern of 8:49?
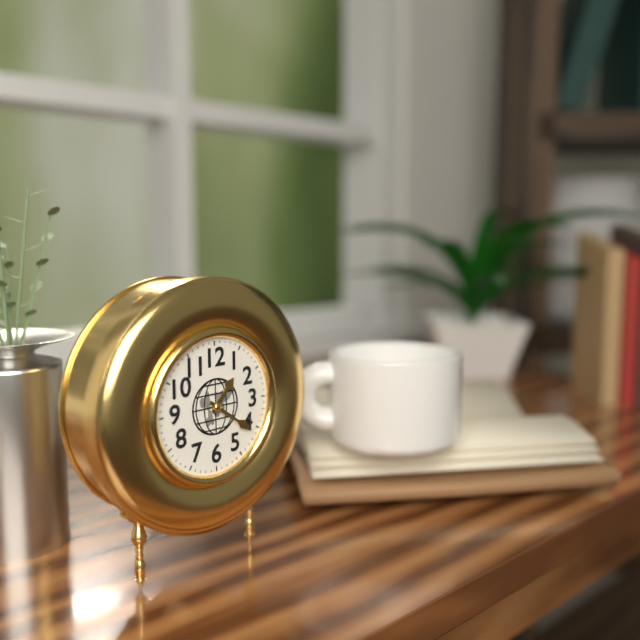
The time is 1:21
